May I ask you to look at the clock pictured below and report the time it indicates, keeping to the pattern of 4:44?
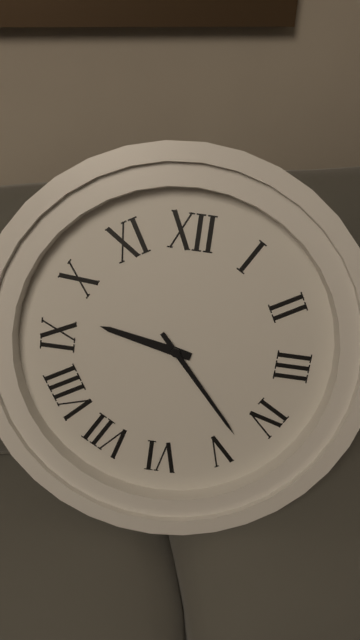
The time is 9:23
